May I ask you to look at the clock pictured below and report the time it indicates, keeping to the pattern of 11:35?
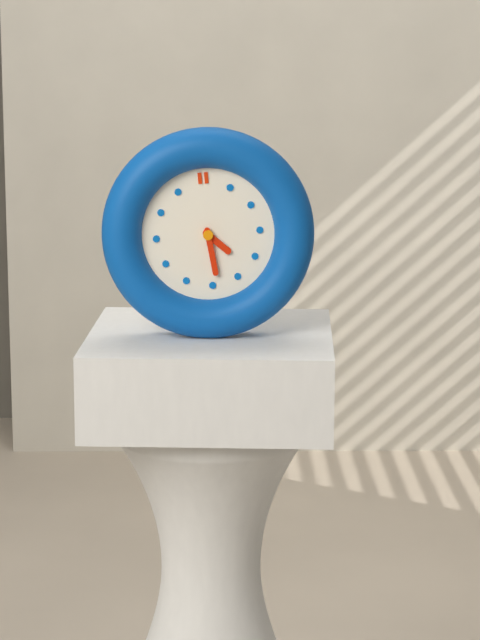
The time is 4:29
